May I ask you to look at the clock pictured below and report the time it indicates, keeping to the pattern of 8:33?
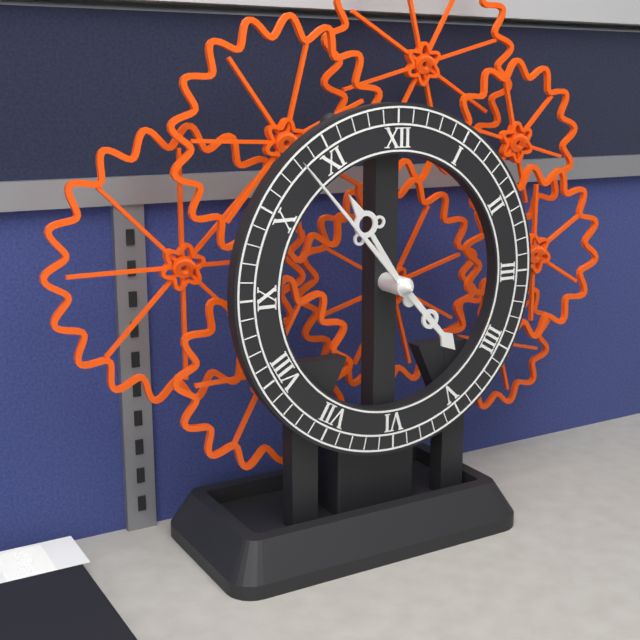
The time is 10:53
